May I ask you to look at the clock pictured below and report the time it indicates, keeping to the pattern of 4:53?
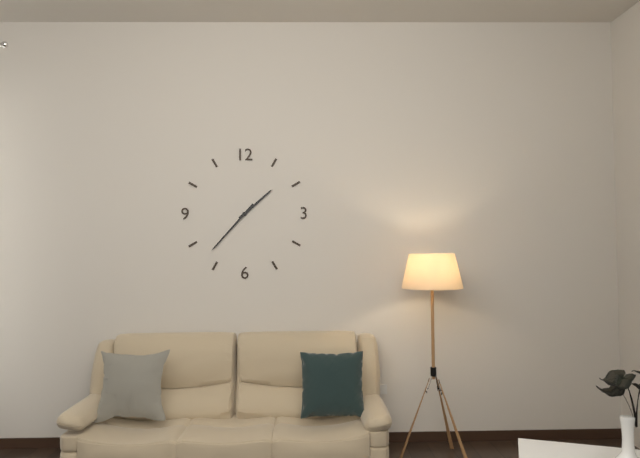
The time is 1:37
